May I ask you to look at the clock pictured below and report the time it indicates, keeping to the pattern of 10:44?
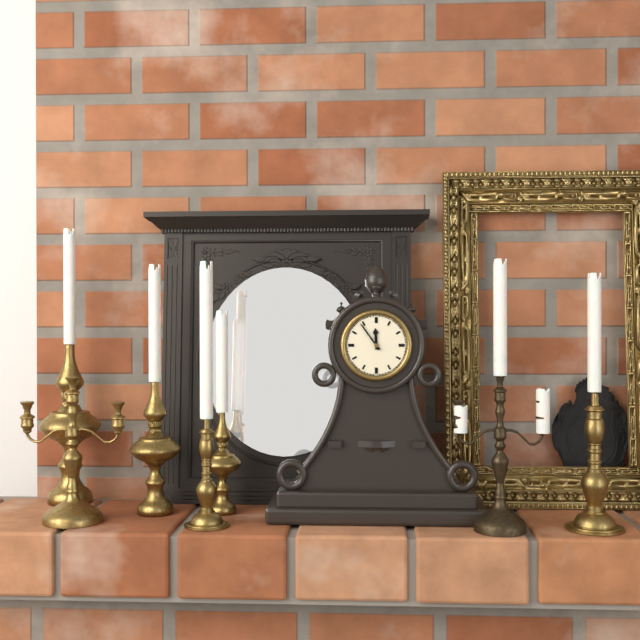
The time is 11:54
